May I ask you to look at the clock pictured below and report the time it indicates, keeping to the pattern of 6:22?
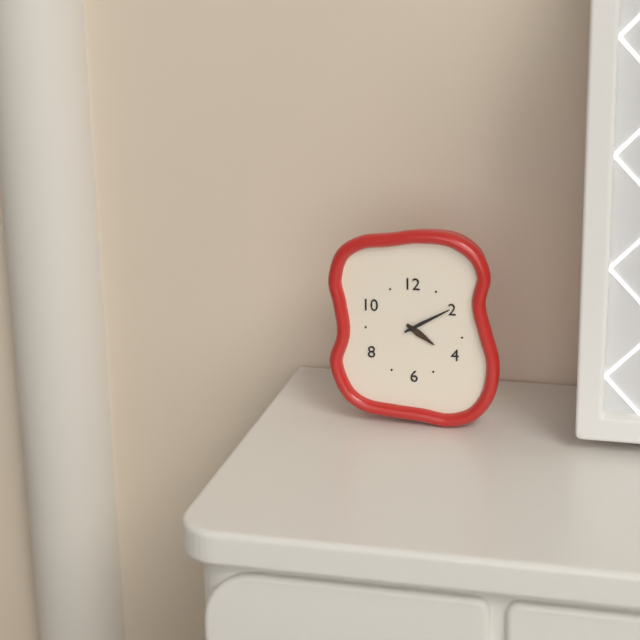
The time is 4:10
